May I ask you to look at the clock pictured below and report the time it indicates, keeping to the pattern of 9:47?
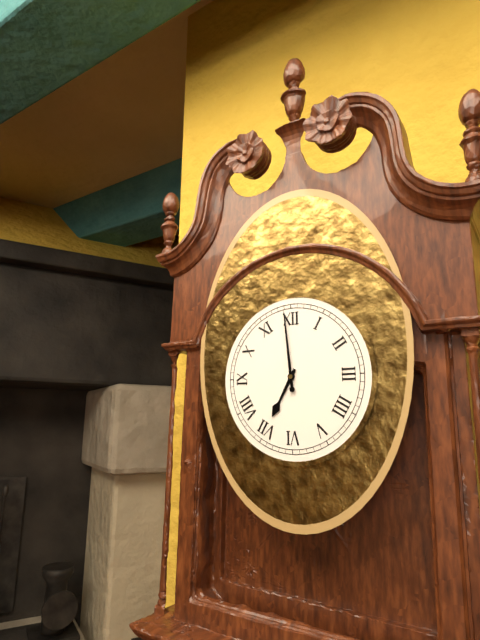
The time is 6:59
